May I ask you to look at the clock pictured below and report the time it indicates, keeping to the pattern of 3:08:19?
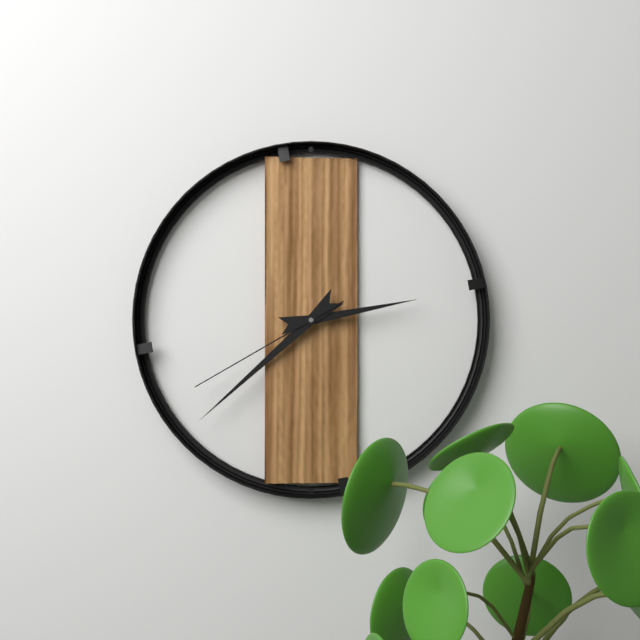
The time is 2:38:40
